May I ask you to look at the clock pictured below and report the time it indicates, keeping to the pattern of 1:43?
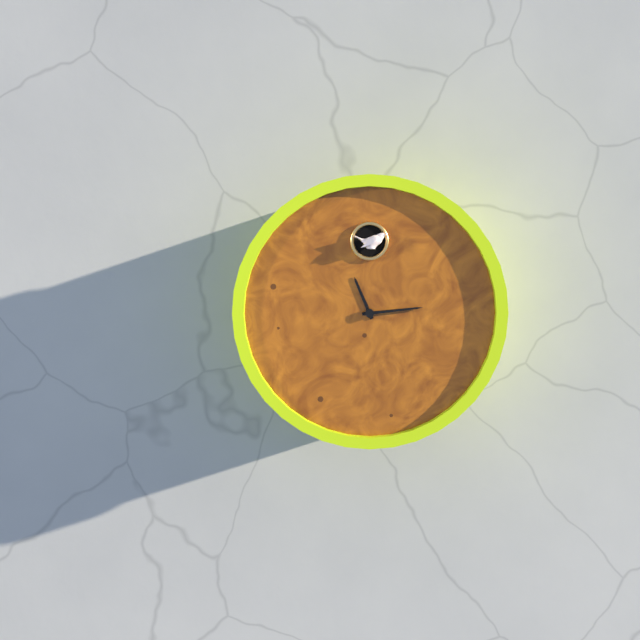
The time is 11:14
